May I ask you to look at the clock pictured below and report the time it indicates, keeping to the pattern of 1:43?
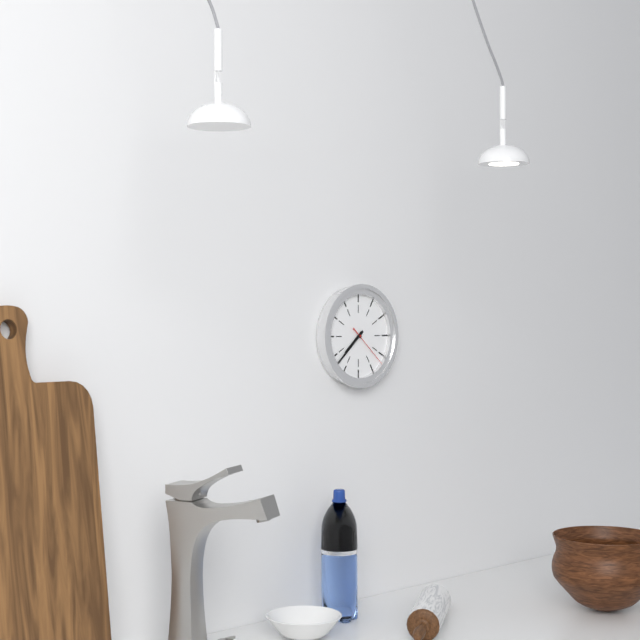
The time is 7:38
